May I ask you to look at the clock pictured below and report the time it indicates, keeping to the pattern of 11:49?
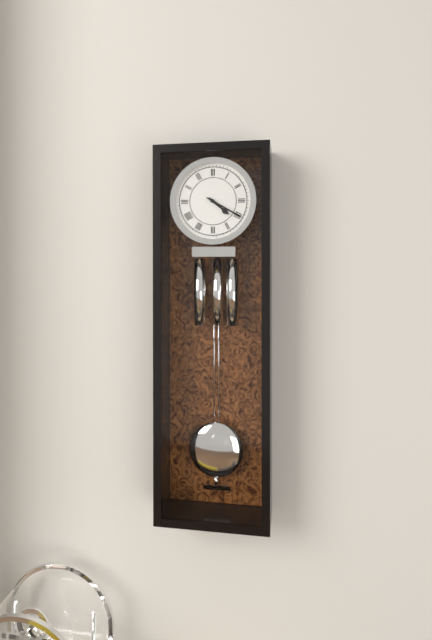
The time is 4:20
